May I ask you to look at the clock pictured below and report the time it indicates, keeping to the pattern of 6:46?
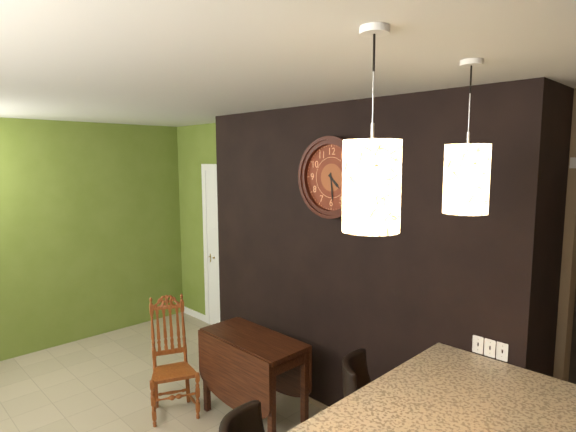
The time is 4:29
